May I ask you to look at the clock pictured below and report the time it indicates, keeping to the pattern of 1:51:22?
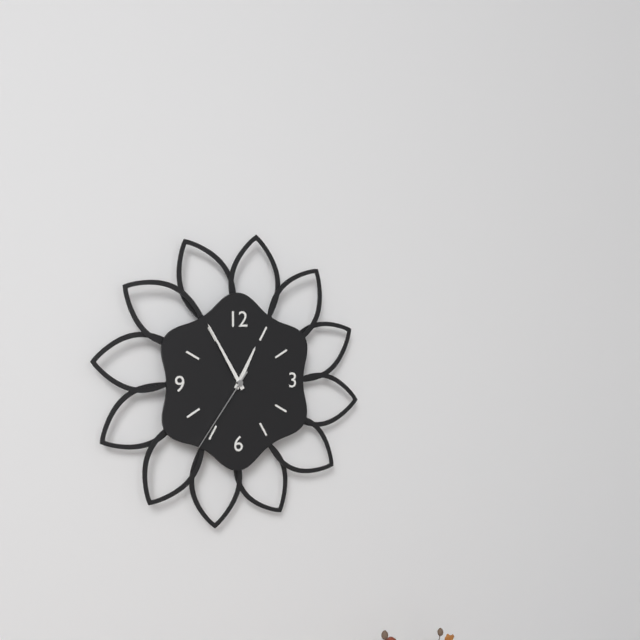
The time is 12:55:36
